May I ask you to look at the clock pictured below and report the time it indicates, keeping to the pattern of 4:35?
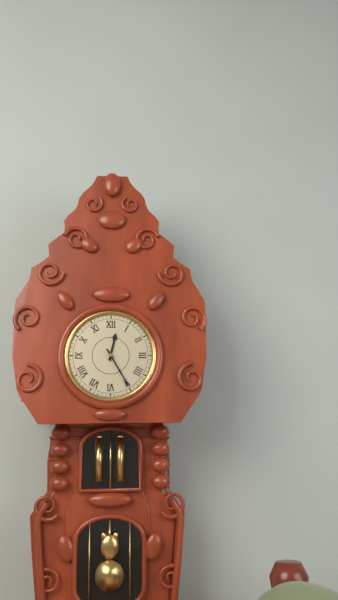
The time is 12:25
